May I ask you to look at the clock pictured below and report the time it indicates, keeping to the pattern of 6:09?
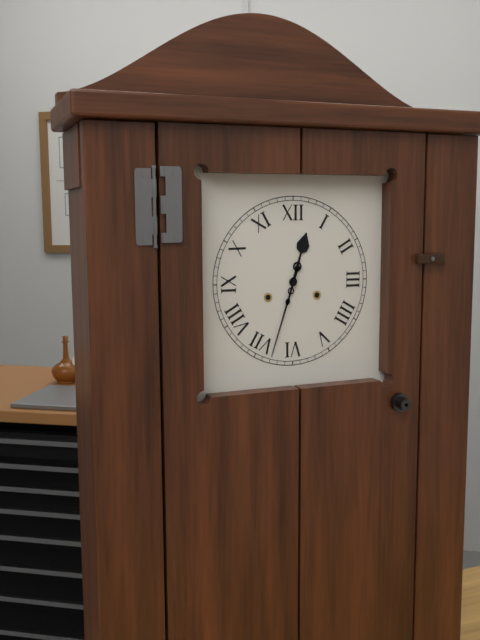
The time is 12:33
